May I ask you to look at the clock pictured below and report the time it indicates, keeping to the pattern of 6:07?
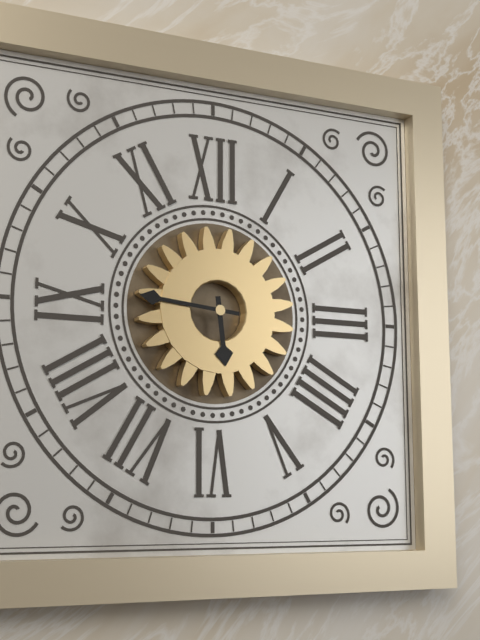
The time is 5:46
